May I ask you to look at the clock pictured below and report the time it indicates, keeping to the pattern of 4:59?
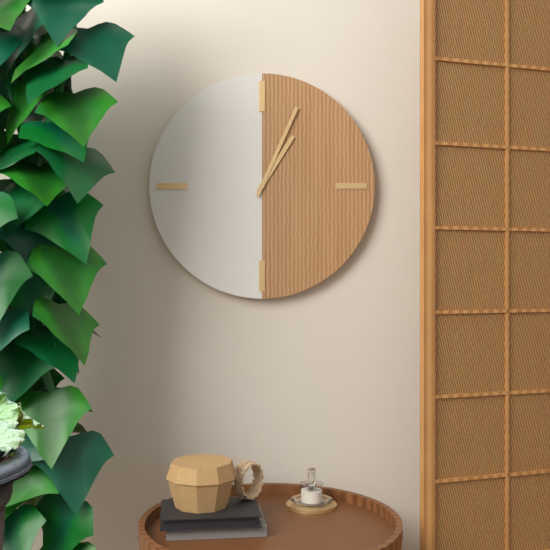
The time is 1:04
